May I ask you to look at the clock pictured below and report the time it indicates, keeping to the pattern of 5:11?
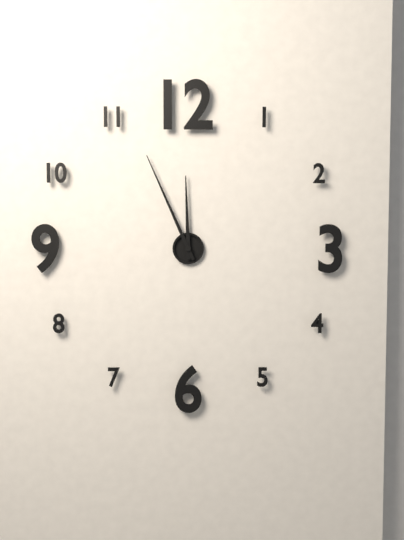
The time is 11:56
